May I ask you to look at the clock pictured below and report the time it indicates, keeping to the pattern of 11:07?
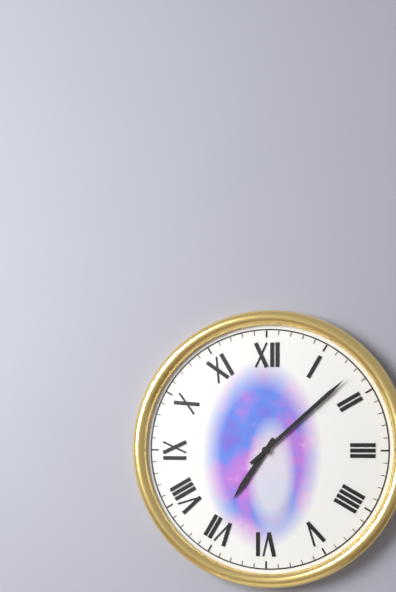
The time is 7:08
